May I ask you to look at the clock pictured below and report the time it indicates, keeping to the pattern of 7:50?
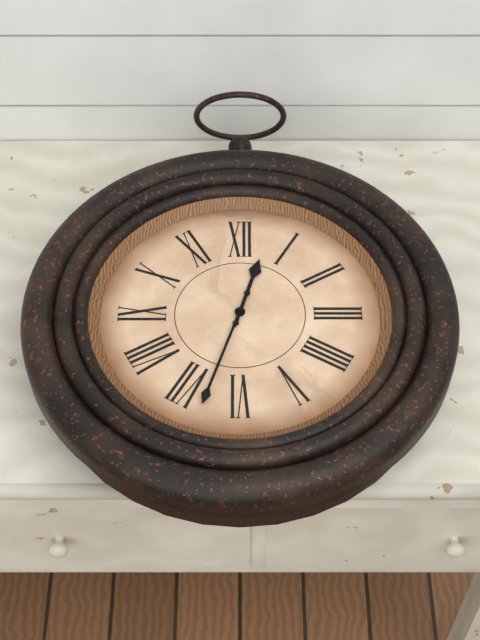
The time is 12:33
